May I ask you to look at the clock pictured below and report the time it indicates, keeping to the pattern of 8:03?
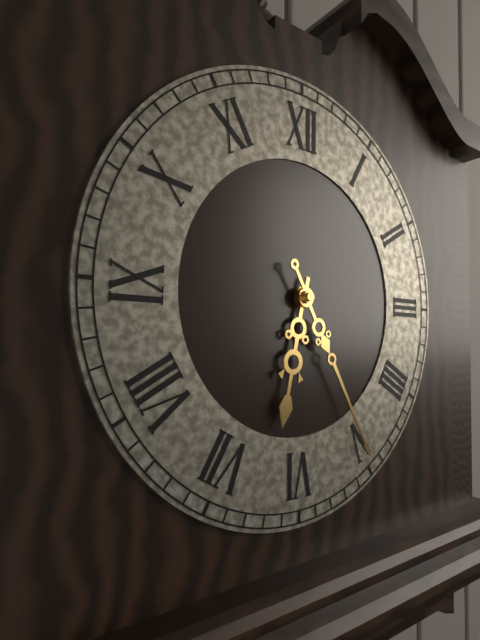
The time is 6:25
